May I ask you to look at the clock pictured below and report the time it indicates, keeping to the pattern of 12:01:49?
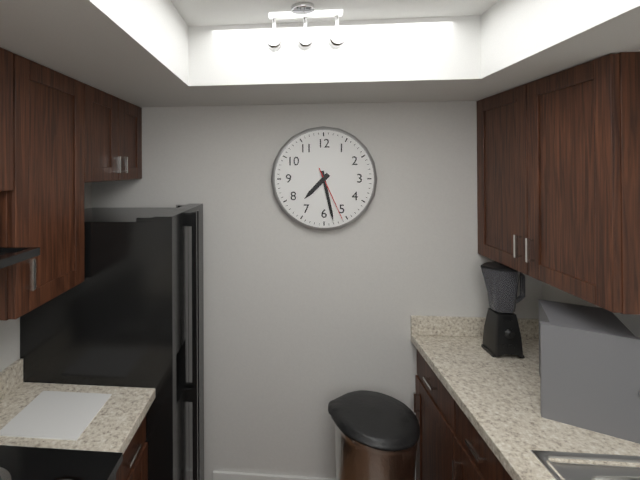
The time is 7:28:26
